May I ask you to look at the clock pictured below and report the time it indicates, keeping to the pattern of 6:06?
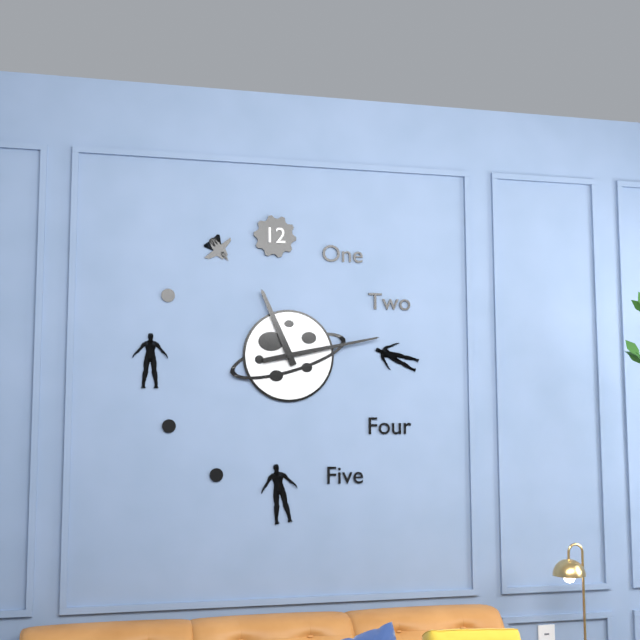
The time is 11:13
